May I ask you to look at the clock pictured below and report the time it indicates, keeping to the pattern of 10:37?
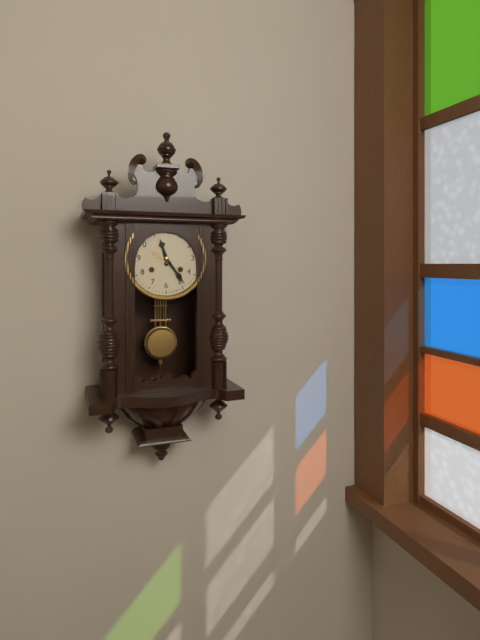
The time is 11:24
